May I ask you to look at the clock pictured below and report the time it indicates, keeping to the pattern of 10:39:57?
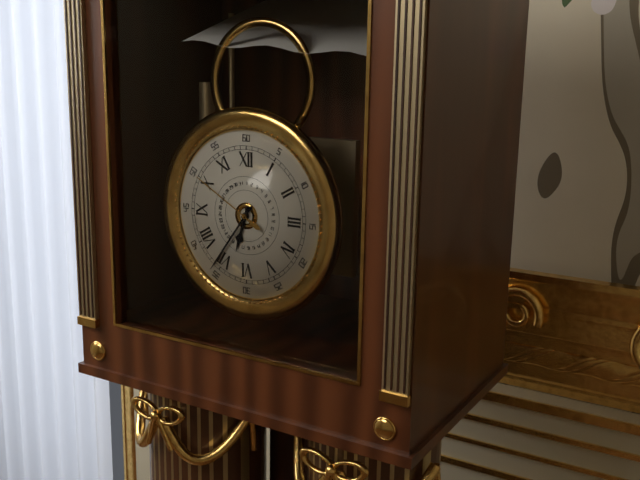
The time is 6:36:50
